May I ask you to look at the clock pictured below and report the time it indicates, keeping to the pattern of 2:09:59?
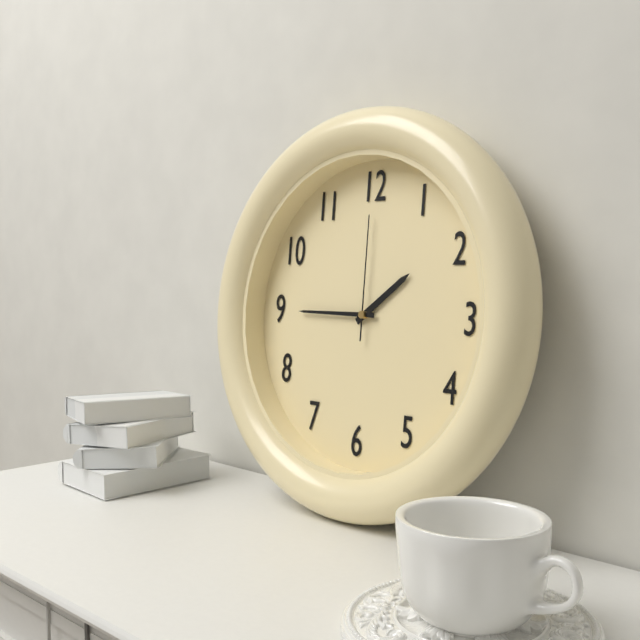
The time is 1:45:00
